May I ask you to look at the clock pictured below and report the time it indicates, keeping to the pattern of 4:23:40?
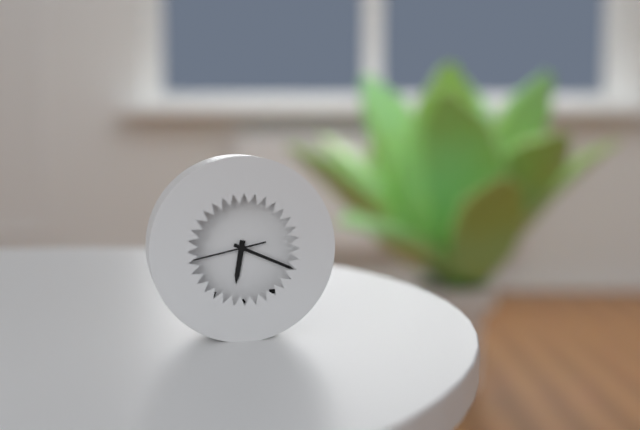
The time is 6:19:43
